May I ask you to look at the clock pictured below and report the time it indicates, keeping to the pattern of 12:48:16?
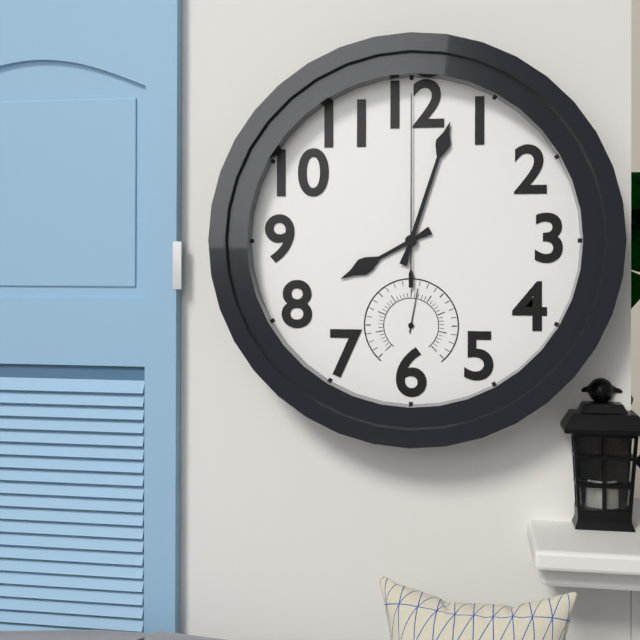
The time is 8:03:00
